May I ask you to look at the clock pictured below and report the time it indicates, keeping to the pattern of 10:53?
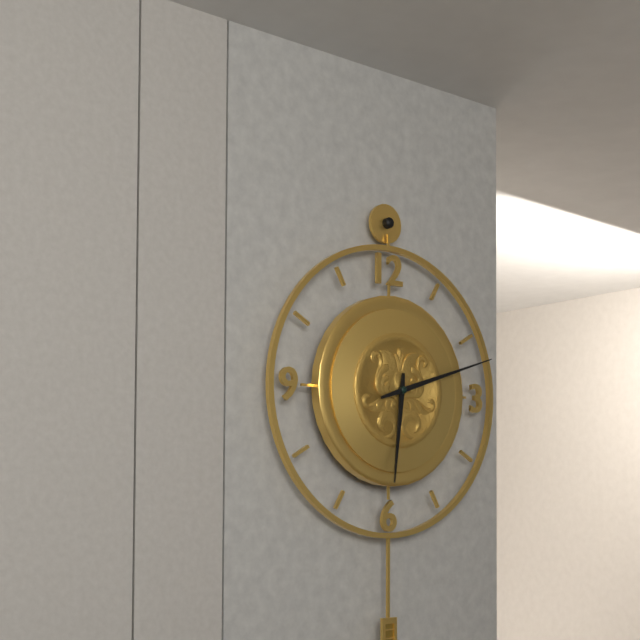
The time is 6:12
